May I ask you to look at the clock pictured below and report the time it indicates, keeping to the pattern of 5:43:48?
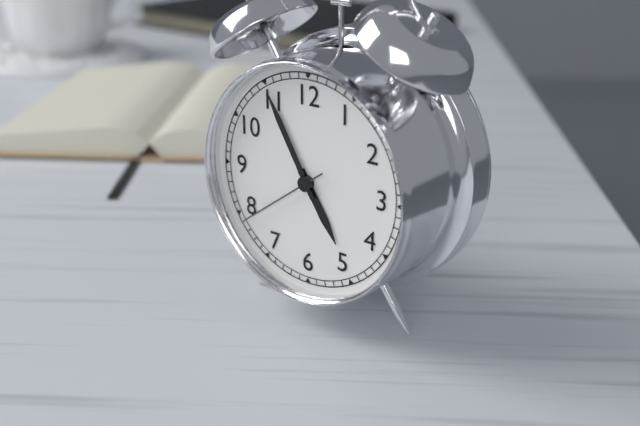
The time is 4:55:39
